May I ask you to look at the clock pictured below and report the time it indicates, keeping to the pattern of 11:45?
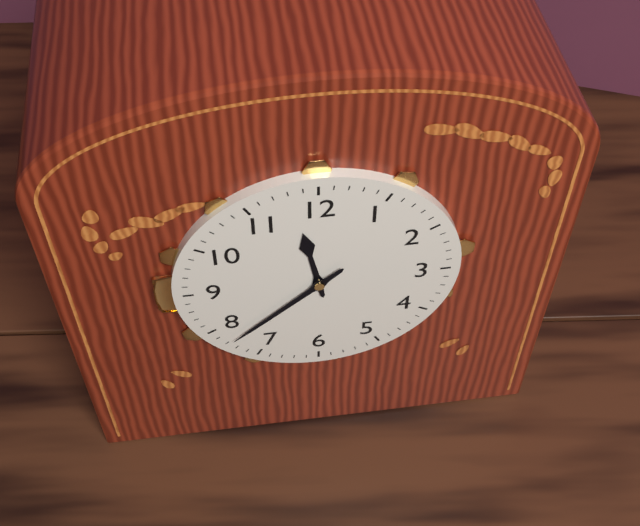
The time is 11:38
